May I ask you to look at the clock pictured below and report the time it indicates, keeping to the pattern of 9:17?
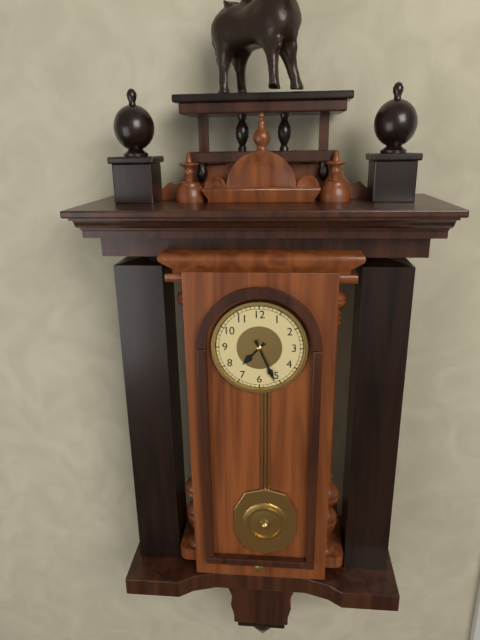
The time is 7:26
